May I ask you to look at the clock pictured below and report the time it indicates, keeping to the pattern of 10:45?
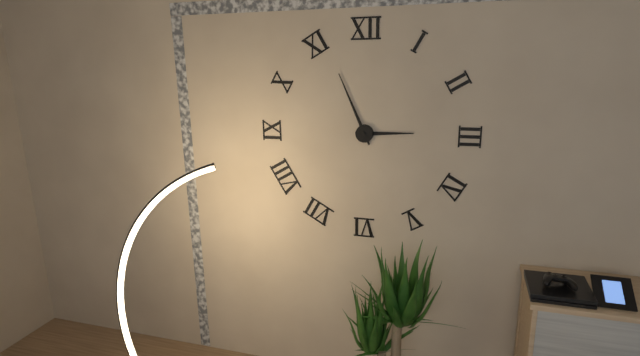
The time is 2:56
